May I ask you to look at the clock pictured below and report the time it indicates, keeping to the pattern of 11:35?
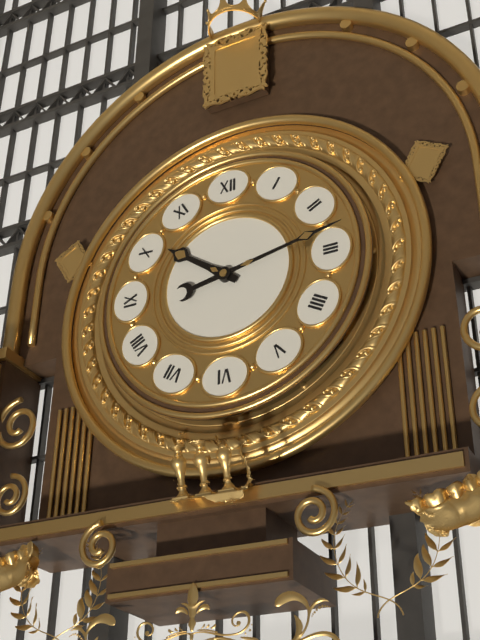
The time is 10:13
